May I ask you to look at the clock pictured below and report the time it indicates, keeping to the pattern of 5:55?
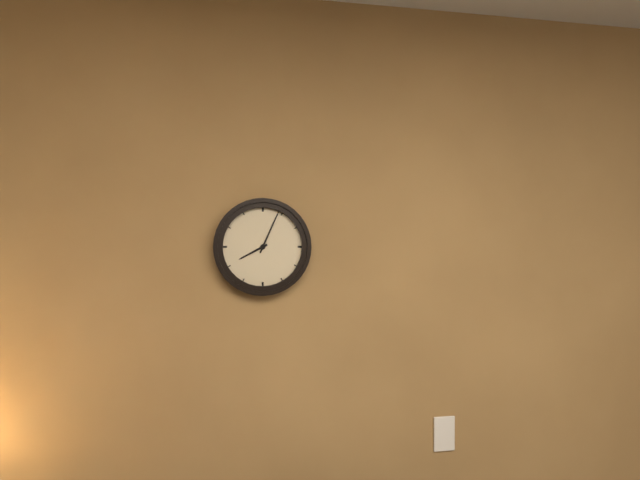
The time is 8:04
